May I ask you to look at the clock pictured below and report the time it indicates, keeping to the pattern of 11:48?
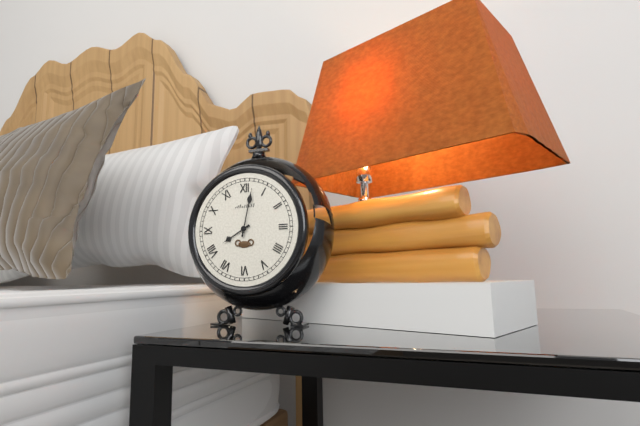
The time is 8:02
